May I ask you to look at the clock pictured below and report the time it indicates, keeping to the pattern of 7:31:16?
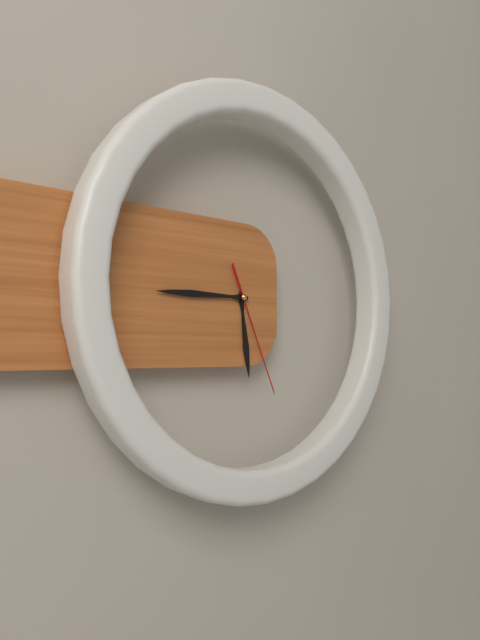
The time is 5:45:26
